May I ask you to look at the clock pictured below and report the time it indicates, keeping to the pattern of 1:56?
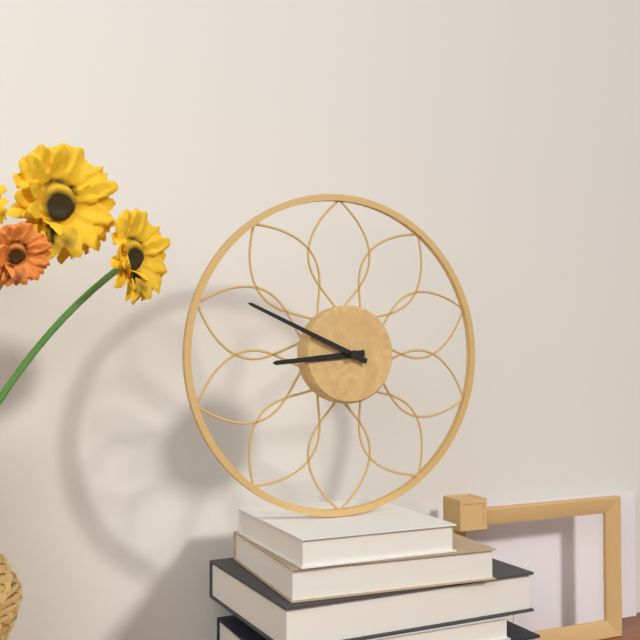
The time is 8:49
